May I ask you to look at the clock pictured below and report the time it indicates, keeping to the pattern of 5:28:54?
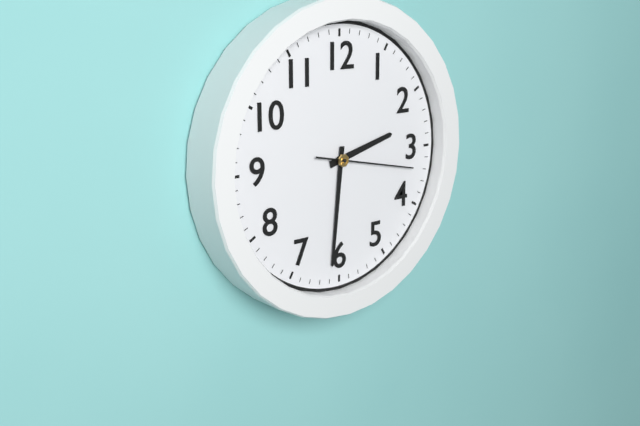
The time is 2:31:17
